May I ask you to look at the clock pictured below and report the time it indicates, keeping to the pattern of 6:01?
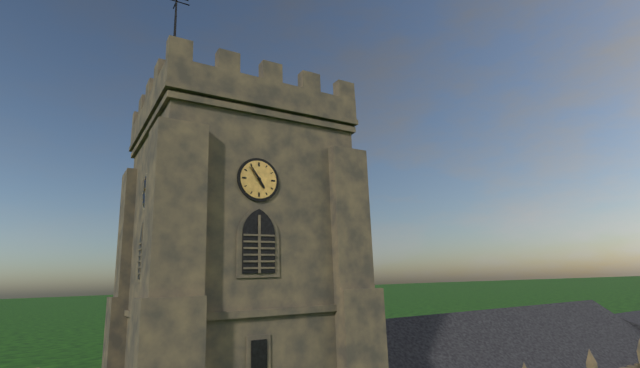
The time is 4:54
